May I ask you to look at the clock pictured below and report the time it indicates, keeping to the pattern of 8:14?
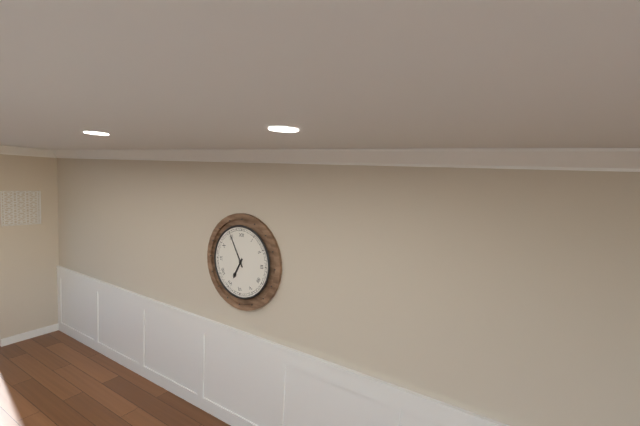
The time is 6:55
